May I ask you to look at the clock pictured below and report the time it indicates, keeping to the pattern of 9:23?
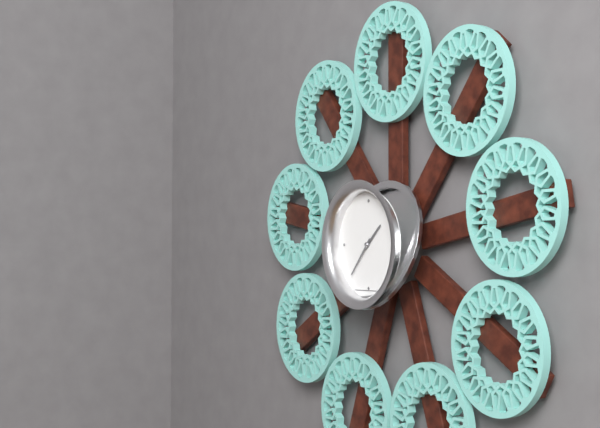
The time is 1:37
